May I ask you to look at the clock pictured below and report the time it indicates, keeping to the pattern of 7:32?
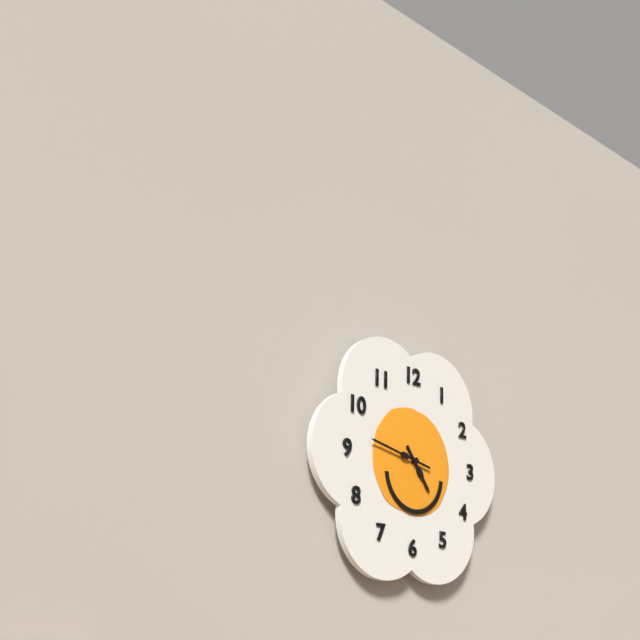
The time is 4:47
